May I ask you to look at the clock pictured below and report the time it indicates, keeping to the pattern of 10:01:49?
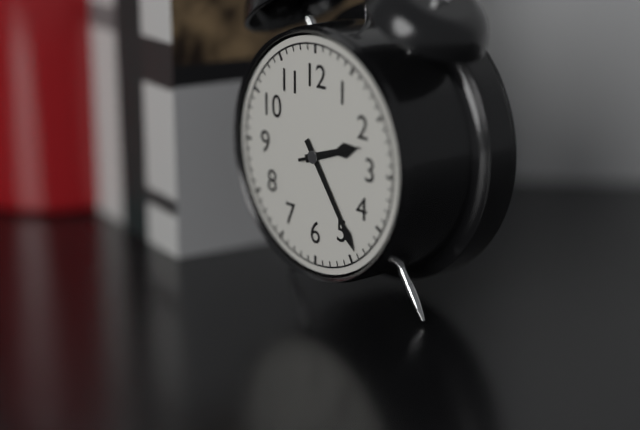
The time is 2:24:12
